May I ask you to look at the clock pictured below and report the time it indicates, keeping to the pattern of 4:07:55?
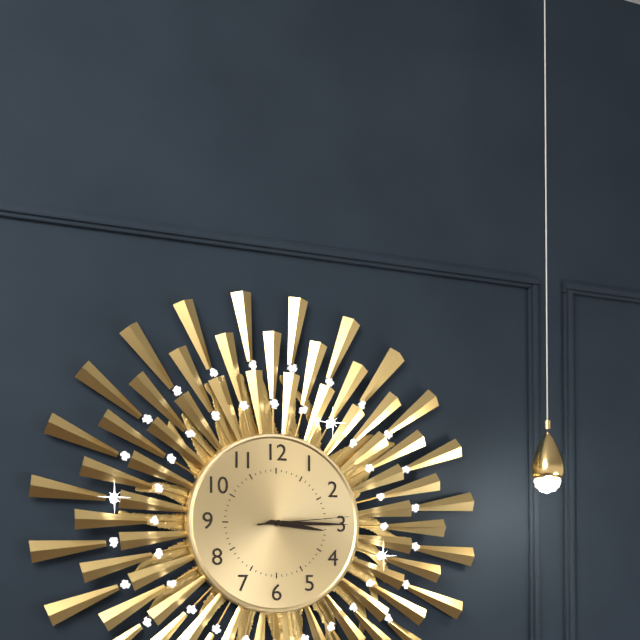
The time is 3:15:14
